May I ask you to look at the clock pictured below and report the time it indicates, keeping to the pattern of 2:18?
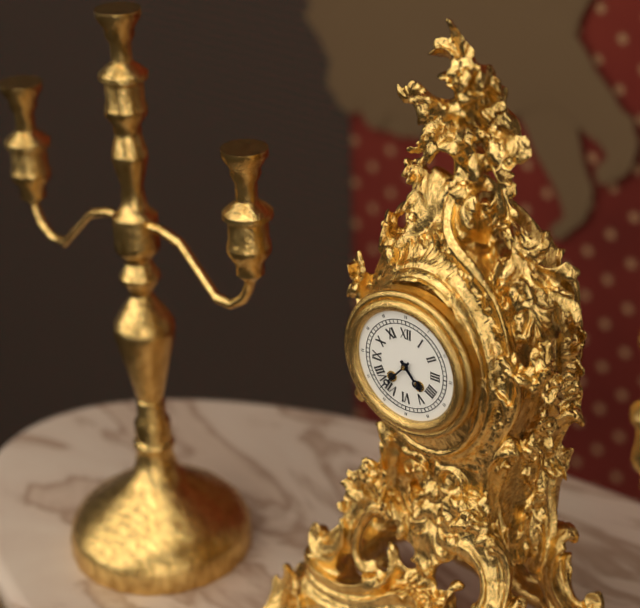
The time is 4:37
